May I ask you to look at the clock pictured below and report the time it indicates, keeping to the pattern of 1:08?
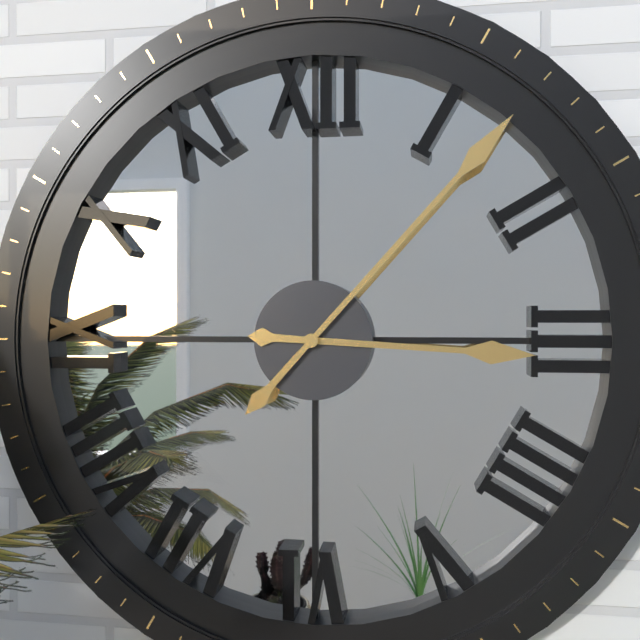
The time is 3:07
